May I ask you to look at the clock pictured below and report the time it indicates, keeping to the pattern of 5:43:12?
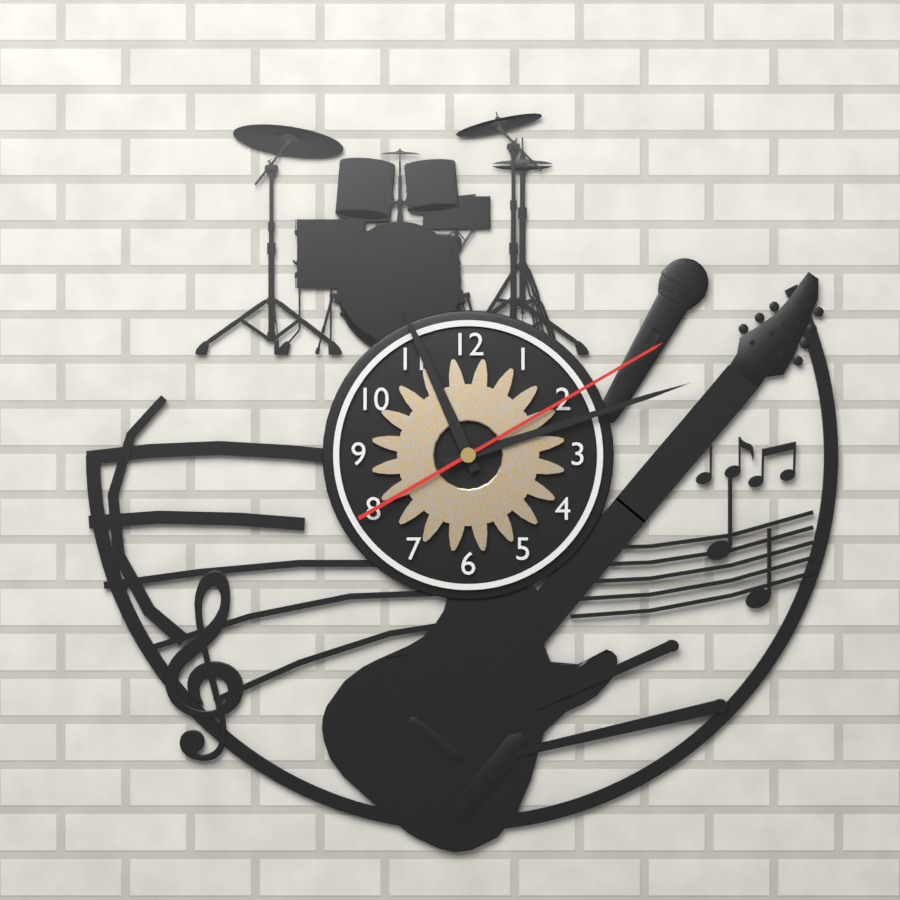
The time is 11:12:10
